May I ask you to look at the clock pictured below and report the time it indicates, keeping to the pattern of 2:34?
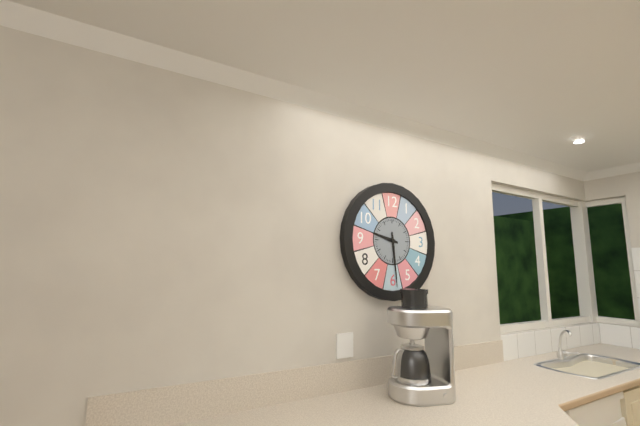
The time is 9:29
